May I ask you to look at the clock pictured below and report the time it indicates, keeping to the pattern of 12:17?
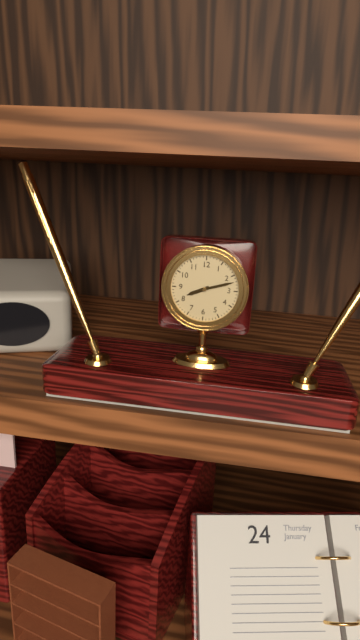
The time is 8:12
